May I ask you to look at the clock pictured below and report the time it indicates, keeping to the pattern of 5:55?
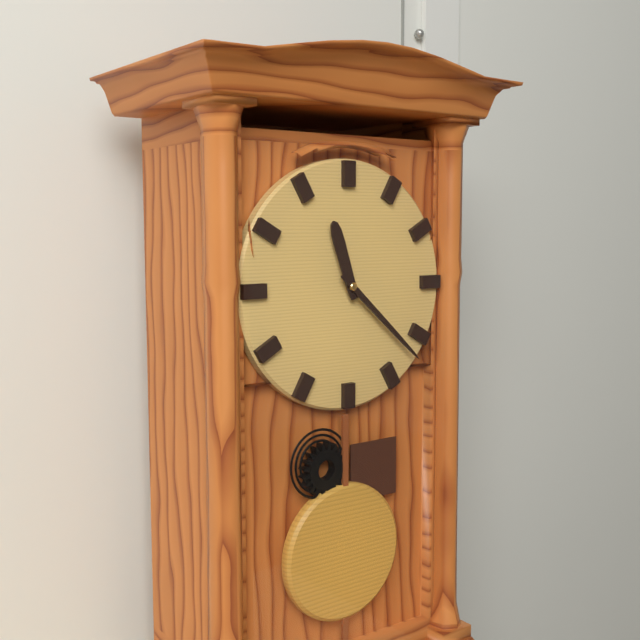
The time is 11:22
